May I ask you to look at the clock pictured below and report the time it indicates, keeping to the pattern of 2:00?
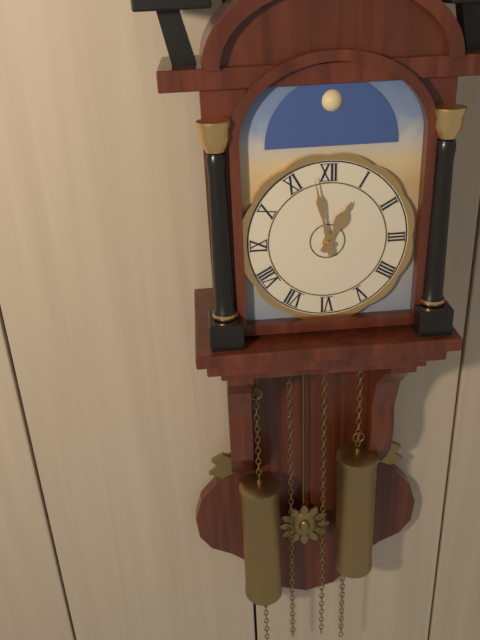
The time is 12:58
